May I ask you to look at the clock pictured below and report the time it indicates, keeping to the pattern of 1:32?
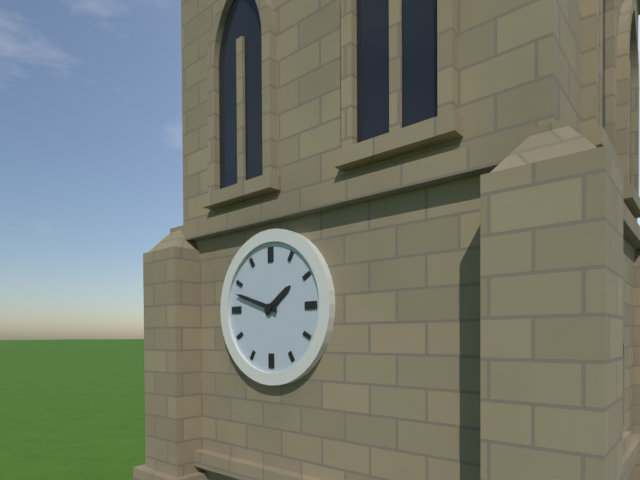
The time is 1:48
